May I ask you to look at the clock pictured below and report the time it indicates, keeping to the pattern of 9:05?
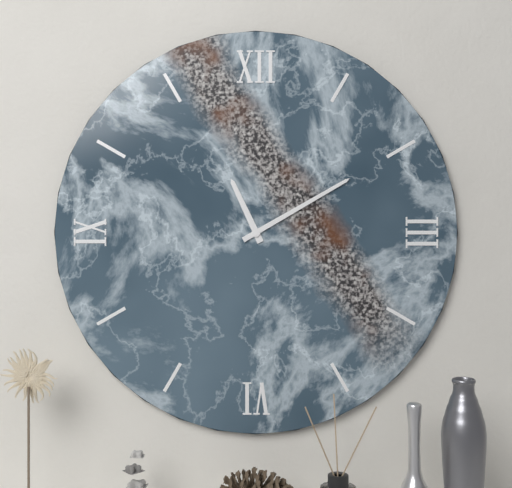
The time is 11:10
